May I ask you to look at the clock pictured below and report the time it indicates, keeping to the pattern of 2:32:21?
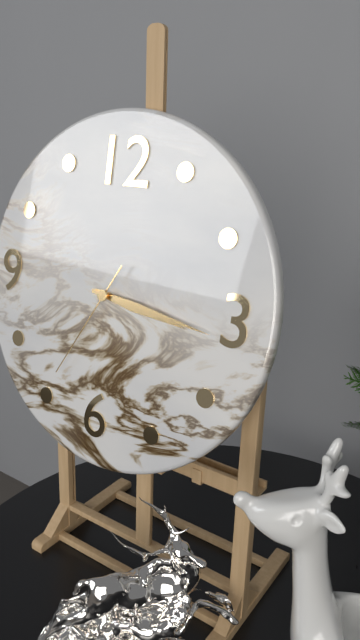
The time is 3:16:35
